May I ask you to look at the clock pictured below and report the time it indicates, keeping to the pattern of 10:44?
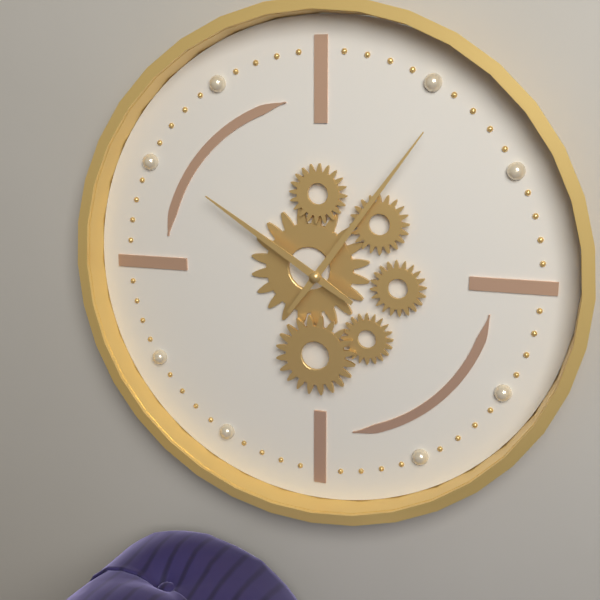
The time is 10:06
